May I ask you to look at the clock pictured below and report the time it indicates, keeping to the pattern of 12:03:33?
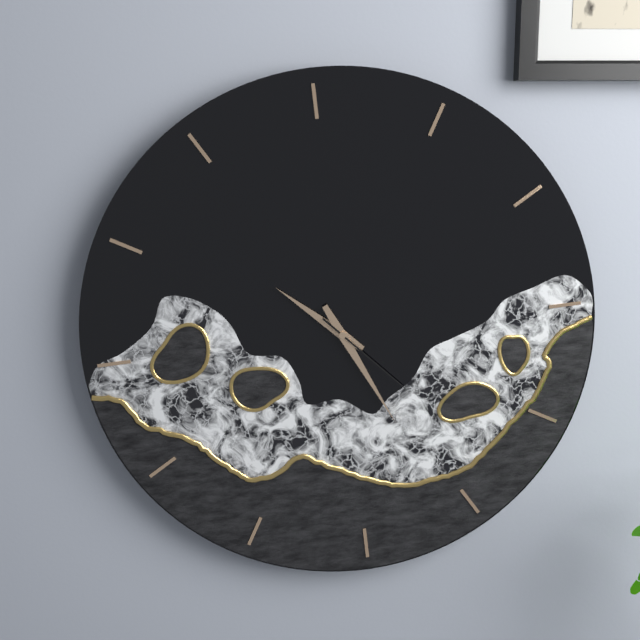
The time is 10:26:23
